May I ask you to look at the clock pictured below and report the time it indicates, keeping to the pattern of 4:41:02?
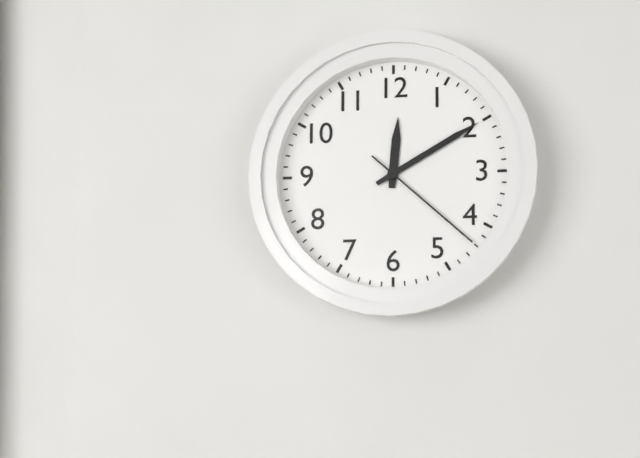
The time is 12:10:22
